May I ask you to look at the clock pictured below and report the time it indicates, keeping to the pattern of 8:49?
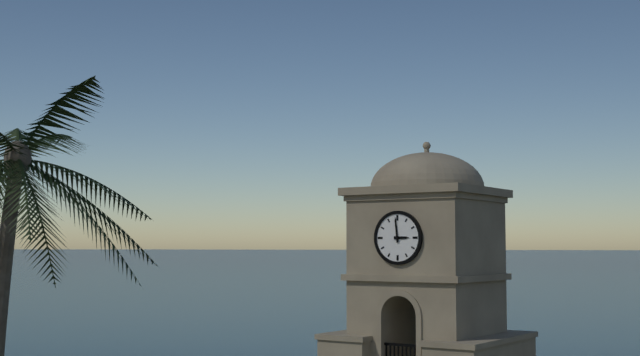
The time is 2:59
